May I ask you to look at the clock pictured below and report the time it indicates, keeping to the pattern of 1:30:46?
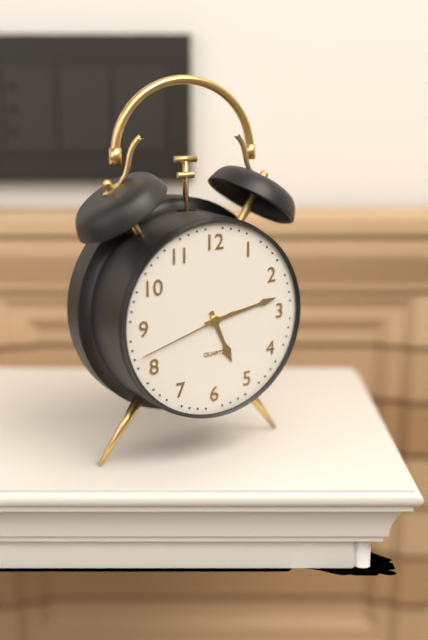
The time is 5:13:42
